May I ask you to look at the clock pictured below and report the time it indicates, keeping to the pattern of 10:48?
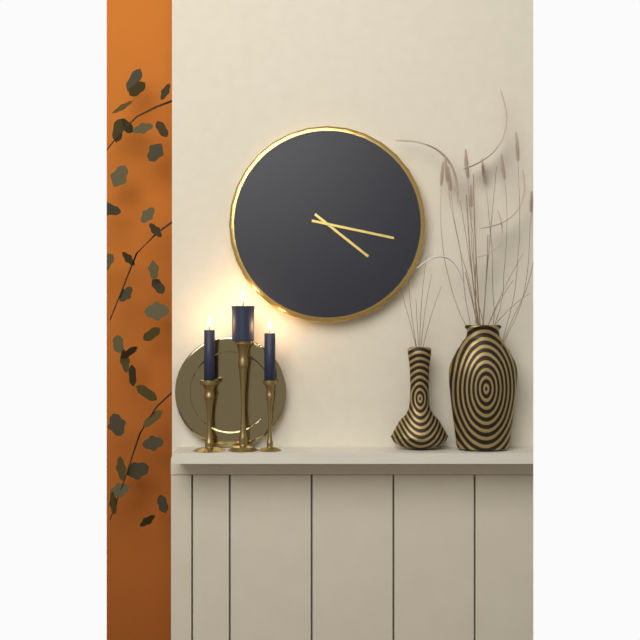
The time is 4:17
